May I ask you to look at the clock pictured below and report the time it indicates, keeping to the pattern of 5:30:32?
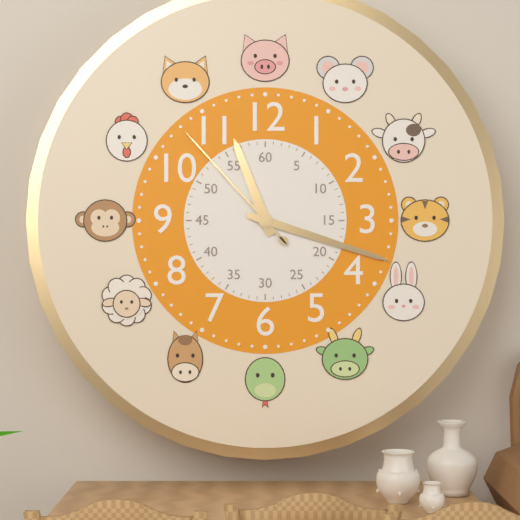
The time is 11:18:53
